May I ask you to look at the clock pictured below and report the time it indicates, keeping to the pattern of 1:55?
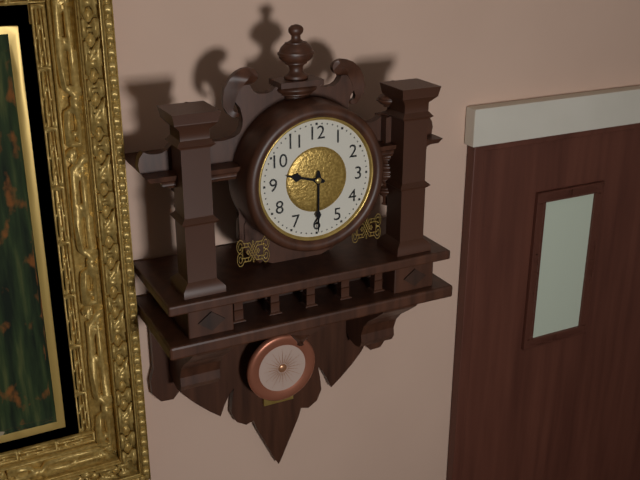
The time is 9:30
